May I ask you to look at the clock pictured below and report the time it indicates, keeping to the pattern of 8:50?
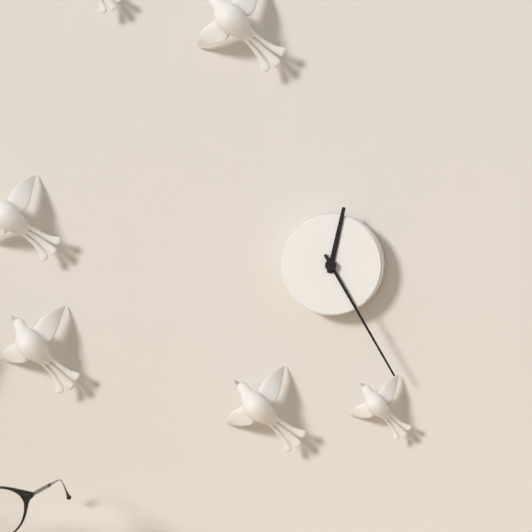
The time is 12:25
